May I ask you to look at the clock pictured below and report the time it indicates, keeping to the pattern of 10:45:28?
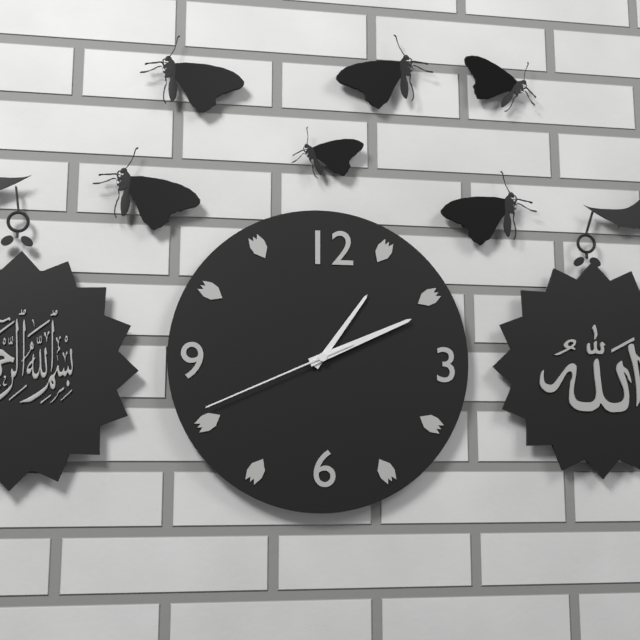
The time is 1:11:41
